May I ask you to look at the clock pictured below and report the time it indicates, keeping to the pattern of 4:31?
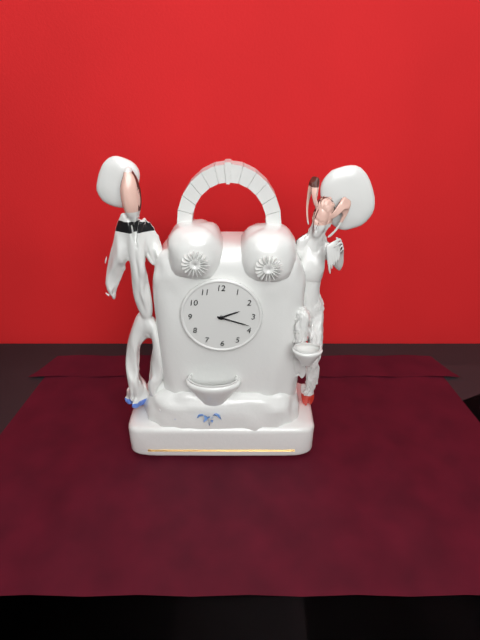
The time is 2:18
